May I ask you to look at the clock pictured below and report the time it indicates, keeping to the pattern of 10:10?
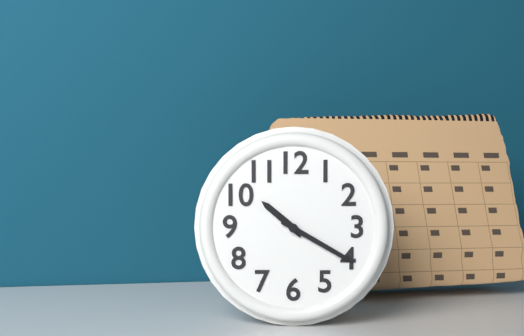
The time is 10:20
